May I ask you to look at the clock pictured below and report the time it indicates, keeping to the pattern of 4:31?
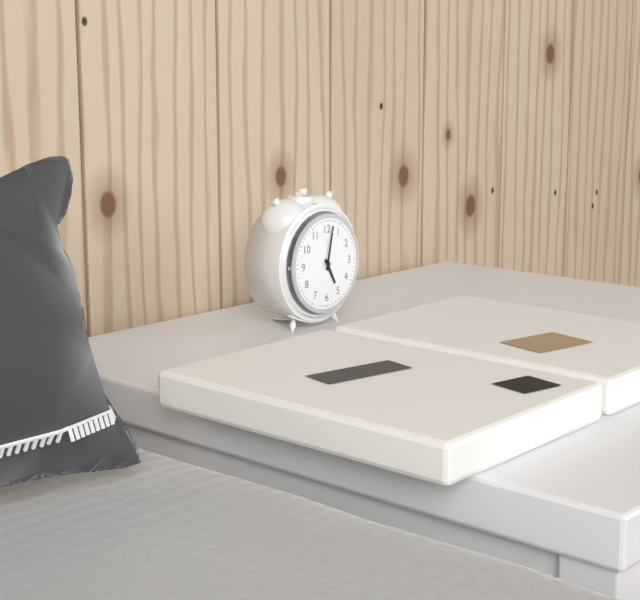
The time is 5:02
